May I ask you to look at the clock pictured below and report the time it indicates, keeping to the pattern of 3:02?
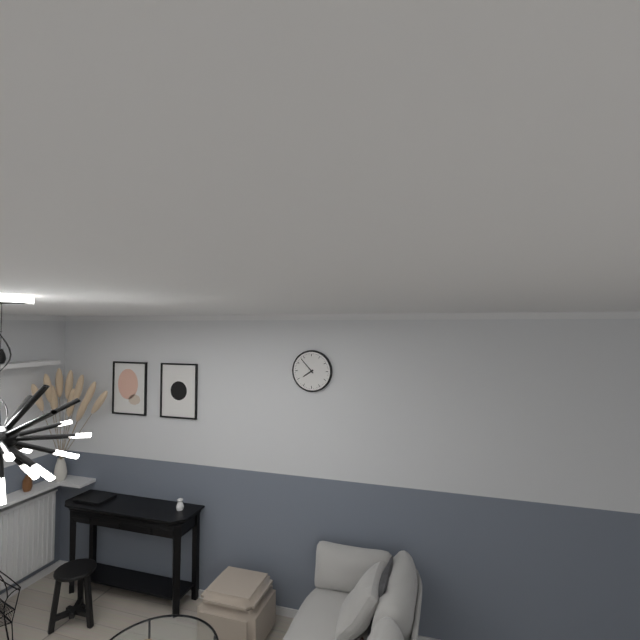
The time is 7:53
